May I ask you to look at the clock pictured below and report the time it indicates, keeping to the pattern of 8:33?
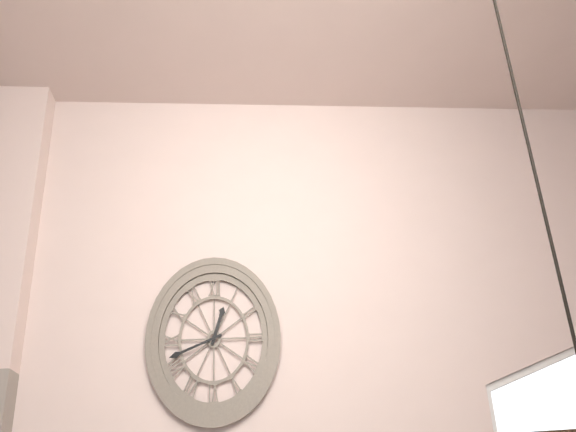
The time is 12:42
